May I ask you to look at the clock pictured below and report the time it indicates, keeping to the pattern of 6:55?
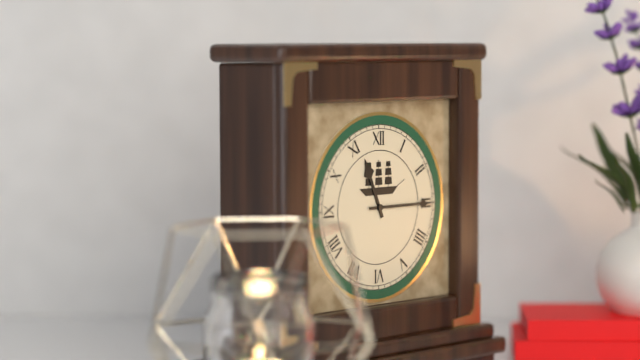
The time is 11:15
